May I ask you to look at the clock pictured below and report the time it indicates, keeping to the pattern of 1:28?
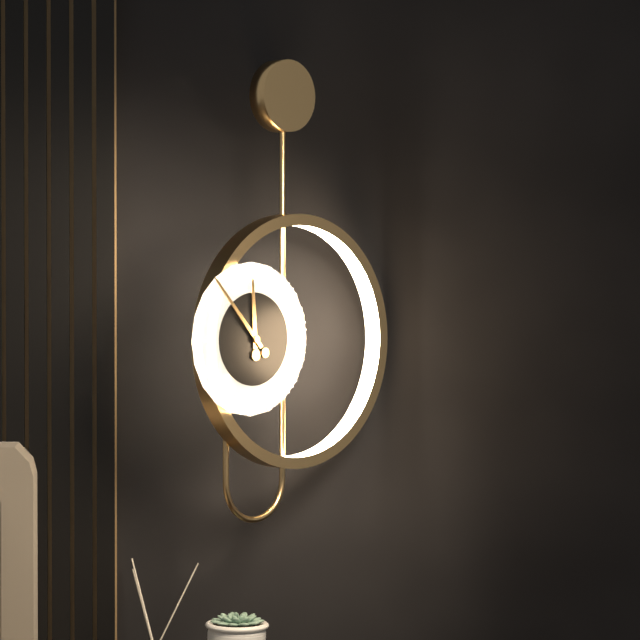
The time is 11:53
